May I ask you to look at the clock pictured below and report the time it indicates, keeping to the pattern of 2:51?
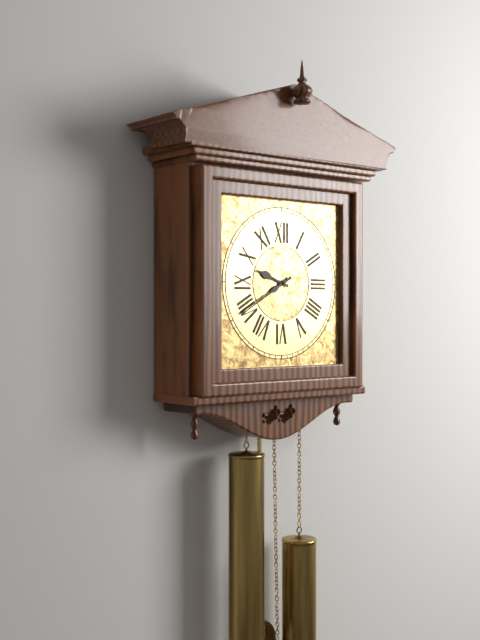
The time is 9:40
